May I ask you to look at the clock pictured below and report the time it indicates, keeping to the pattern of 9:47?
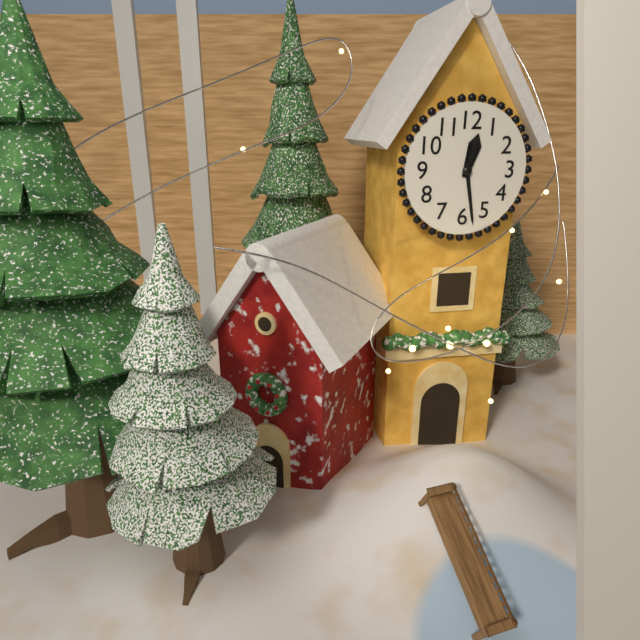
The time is 12:28
